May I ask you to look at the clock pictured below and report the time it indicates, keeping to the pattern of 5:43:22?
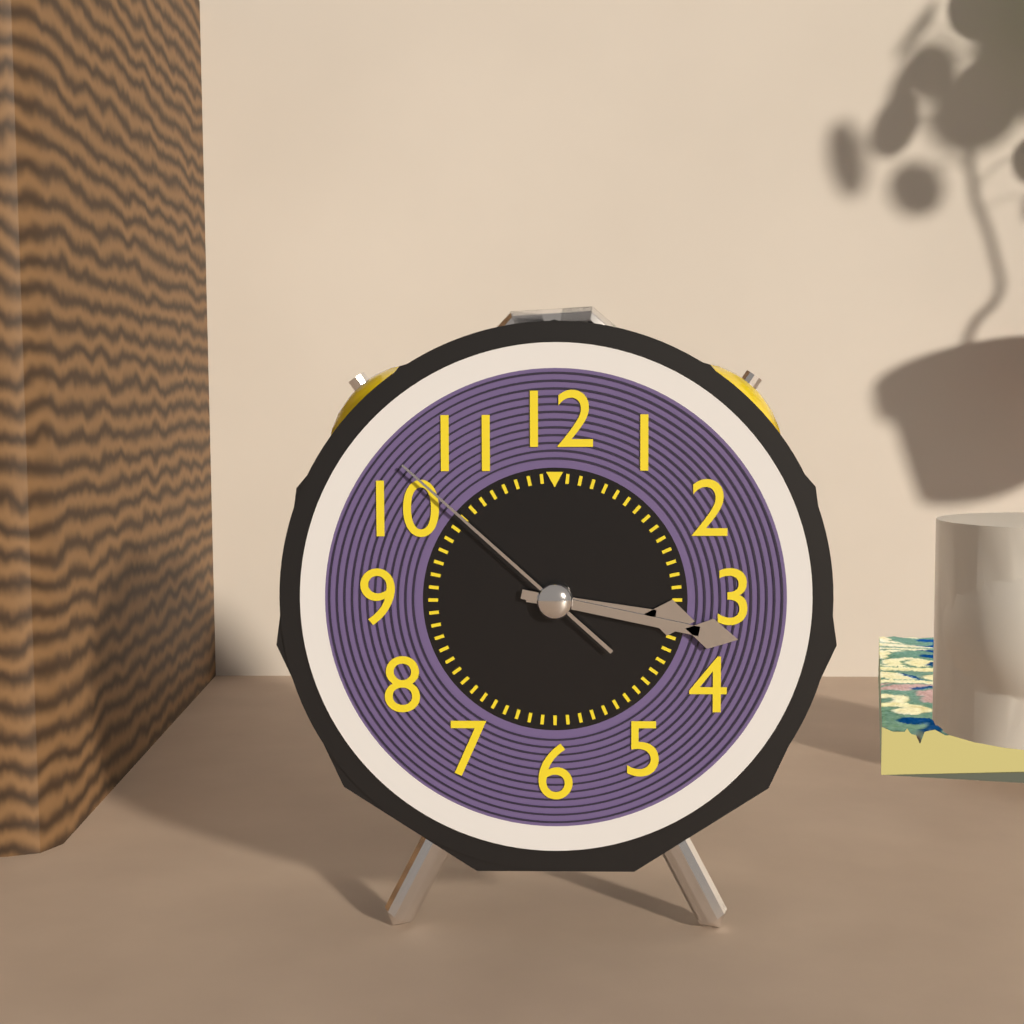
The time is 3:17:52
